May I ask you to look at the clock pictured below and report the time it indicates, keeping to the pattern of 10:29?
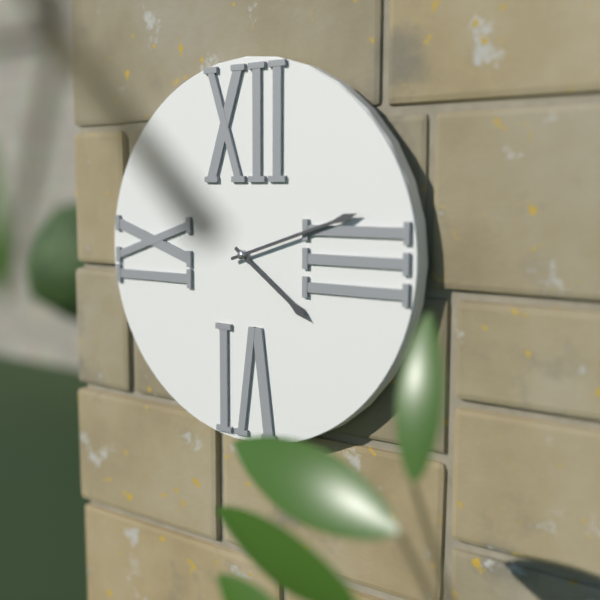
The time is 4:12
